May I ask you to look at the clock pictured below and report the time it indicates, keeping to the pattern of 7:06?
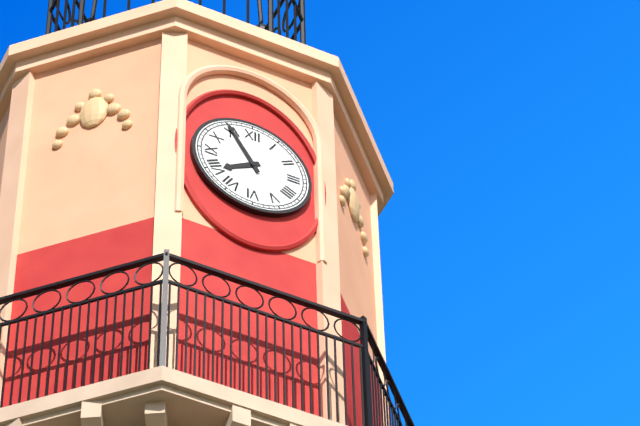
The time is 7:55
